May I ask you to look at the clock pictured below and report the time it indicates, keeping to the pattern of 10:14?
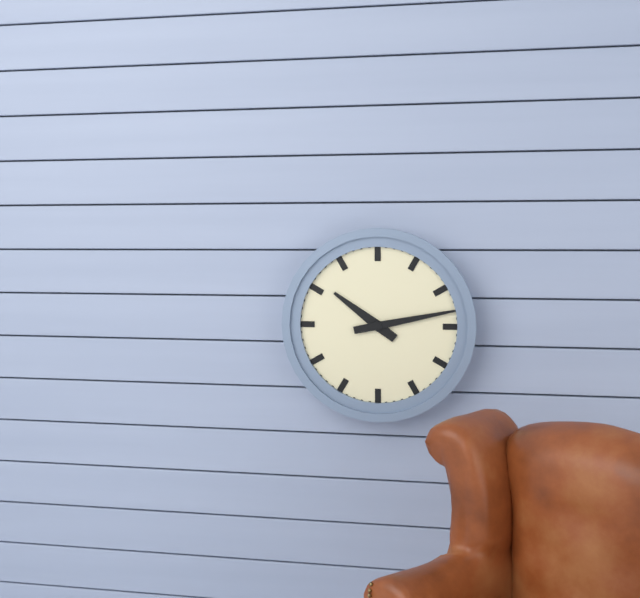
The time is 10:13
